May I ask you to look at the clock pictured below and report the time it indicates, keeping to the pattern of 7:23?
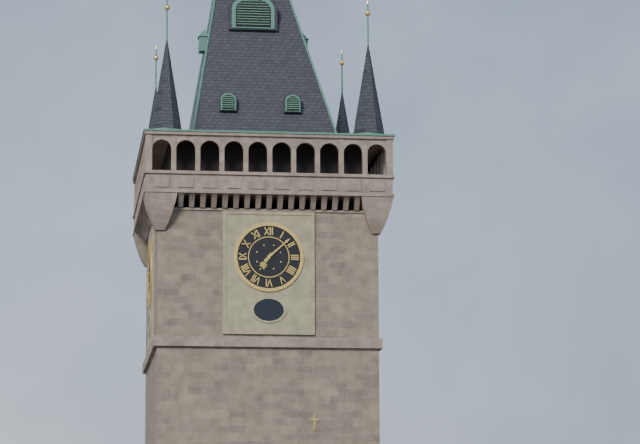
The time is 7:08
